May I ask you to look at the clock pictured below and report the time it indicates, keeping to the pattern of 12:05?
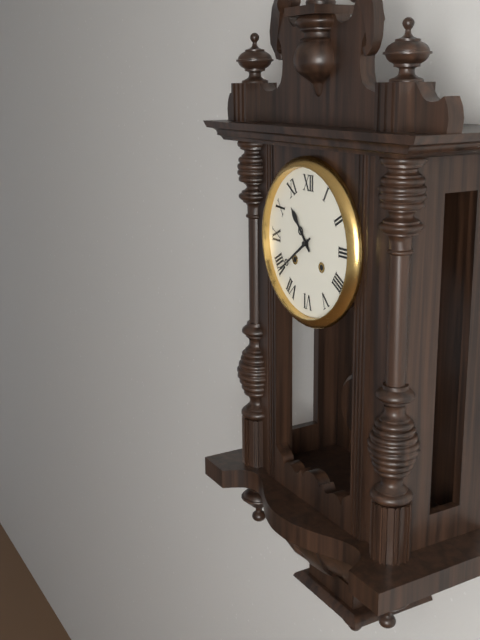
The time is 10:39
